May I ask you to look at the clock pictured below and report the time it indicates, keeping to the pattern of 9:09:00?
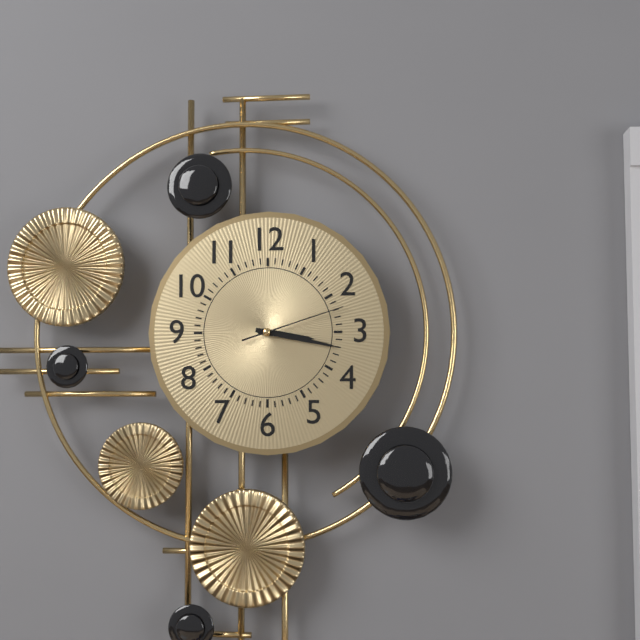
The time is 3:17:12
